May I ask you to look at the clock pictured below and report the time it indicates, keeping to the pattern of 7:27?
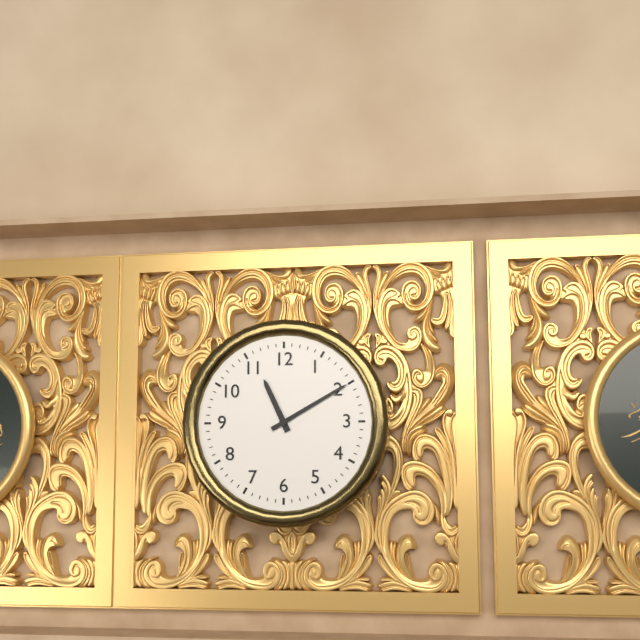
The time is 11:10
